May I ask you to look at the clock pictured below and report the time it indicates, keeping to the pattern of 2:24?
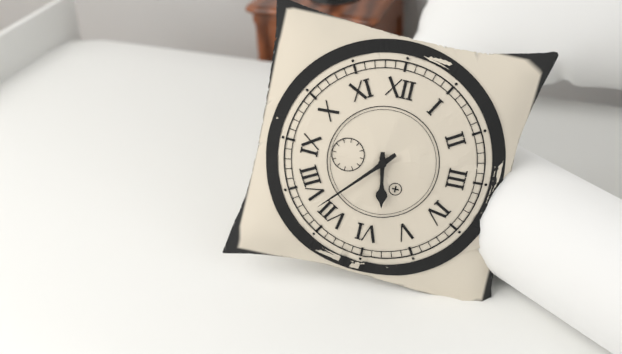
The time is 5:37
